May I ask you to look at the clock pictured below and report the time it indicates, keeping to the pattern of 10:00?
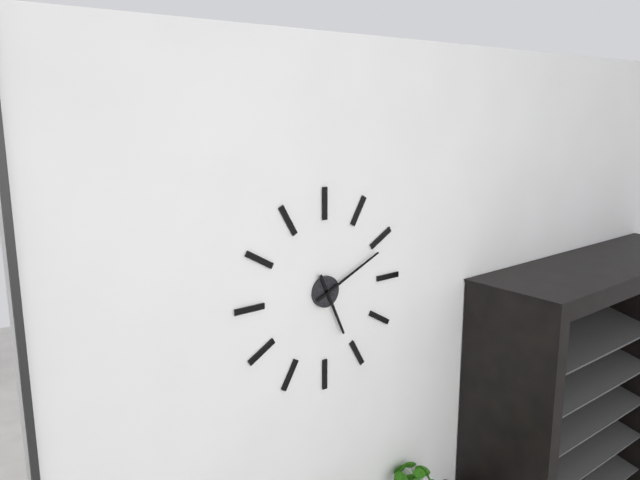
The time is 5:11
